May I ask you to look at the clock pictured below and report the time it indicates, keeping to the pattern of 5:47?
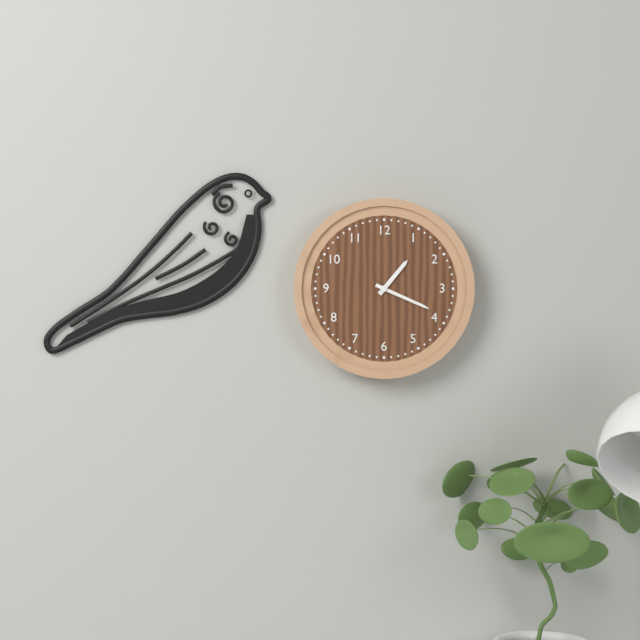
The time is 1:19
